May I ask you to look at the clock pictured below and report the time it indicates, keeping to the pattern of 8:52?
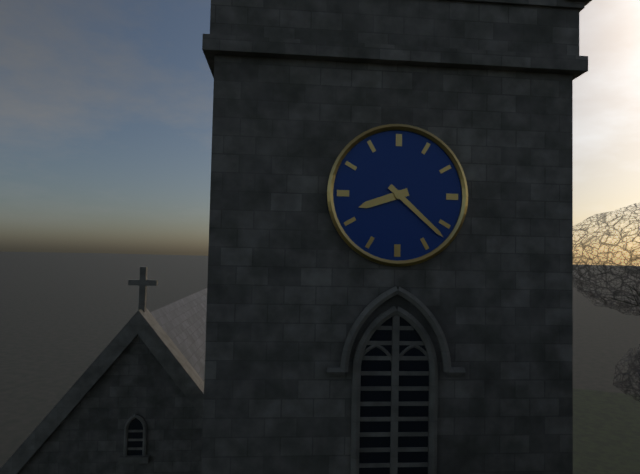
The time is 8:22
